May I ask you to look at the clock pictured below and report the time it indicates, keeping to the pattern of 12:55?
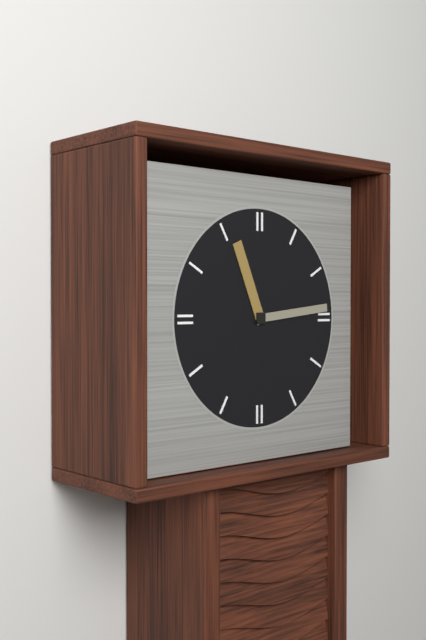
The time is 11:14
